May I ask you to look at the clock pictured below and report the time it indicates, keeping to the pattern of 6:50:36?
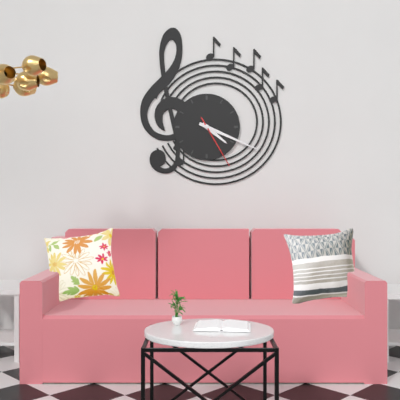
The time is 4:19:25
